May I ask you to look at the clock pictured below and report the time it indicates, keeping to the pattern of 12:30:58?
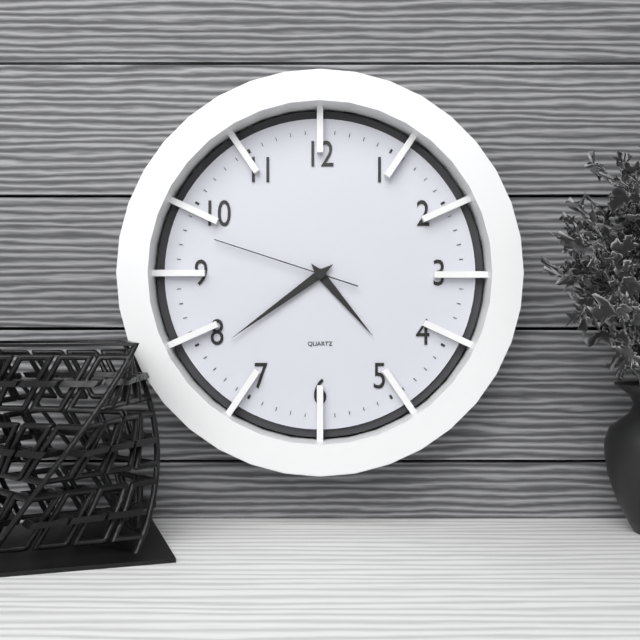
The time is 4:39:48
